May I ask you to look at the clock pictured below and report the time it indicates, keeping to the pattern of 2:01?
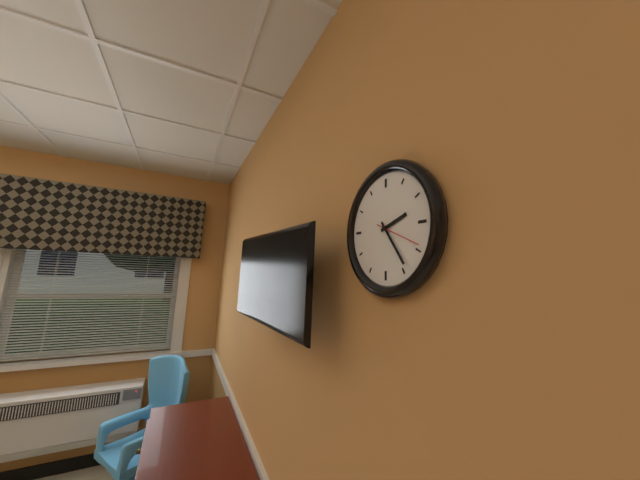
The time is 2:24
